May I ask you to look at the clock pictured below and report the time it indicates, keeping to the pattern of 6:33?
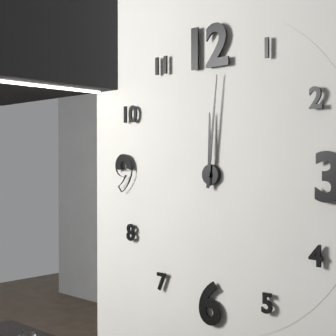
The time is 12:01
